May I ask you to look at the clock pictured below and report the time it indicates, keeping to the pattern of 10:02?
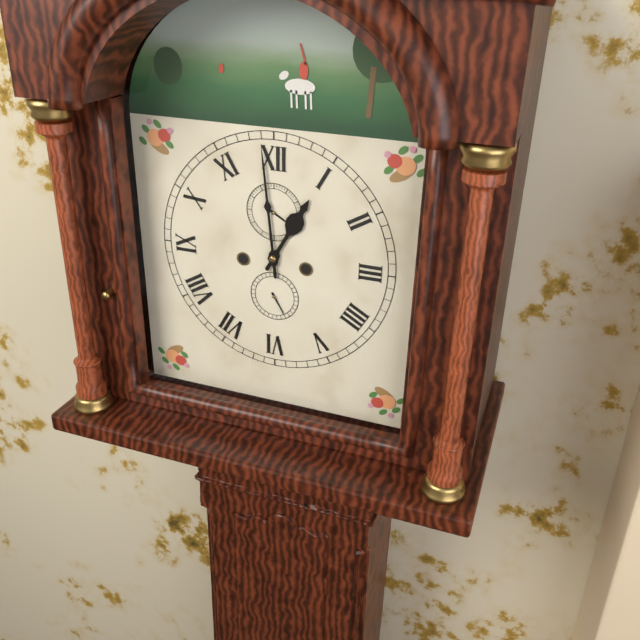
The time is 12:59
